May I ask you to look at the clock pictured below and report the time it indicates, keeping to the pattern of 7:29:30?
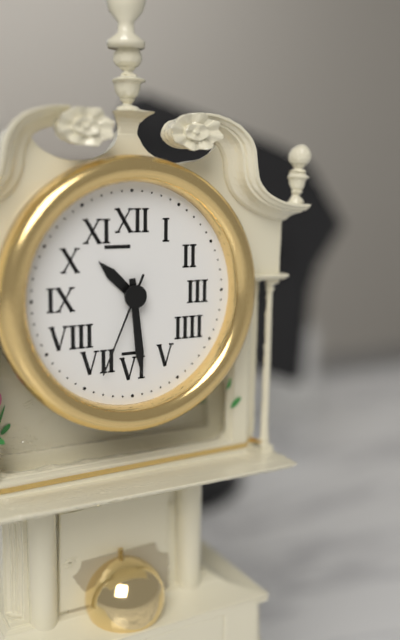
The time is 10:29:34
